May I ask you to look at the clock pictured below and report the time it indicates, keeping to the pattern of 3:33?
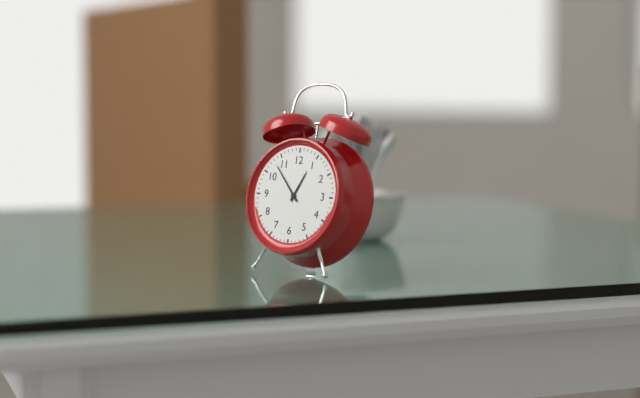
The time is 12:53
